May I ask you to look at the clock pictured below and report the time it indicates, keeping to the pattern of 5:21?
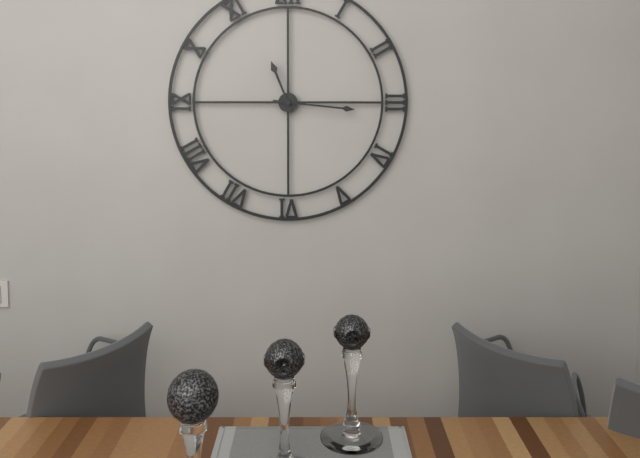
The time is 11:16
